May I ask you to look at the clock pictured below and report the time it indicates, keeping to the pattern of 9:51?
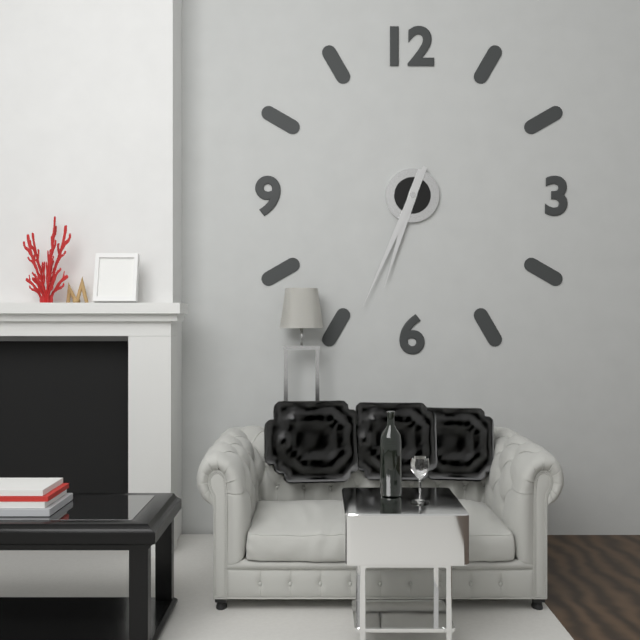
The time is 6:34
